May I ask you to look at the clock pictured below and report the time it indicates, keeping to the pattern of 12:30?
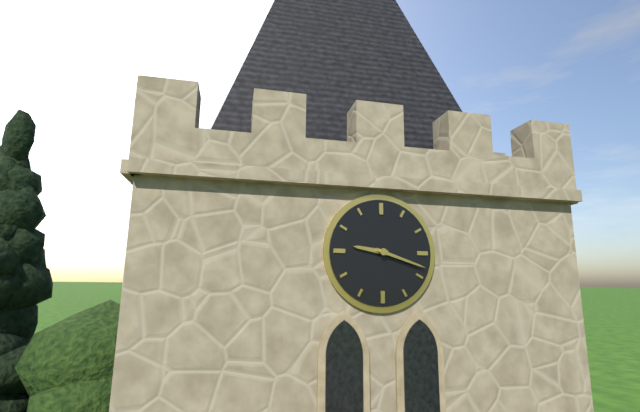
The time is 9:18
